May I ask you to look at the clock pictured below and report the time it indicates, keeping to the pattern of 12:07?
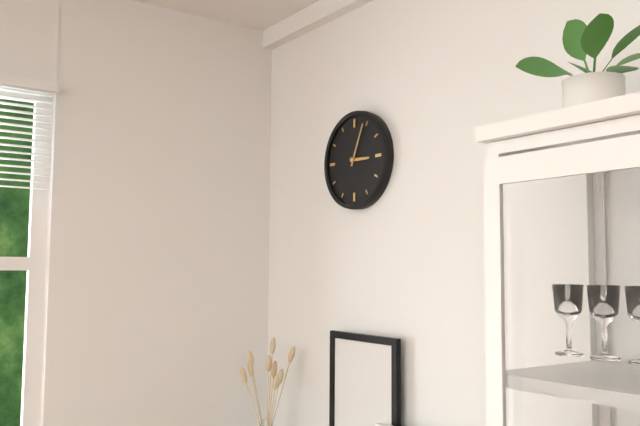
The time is 3:04
